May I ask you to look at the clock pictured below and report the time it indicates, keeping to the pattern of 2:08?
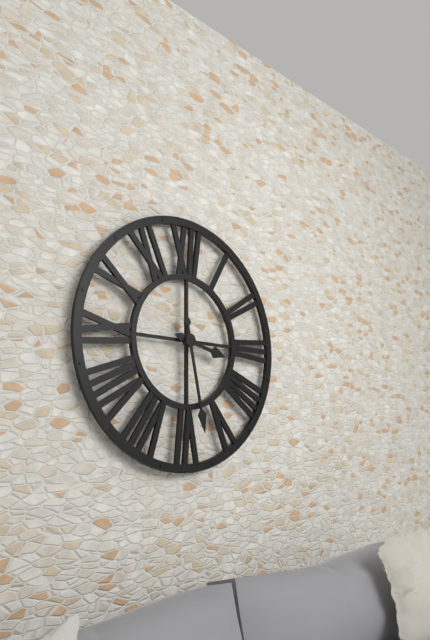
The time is 3:28
